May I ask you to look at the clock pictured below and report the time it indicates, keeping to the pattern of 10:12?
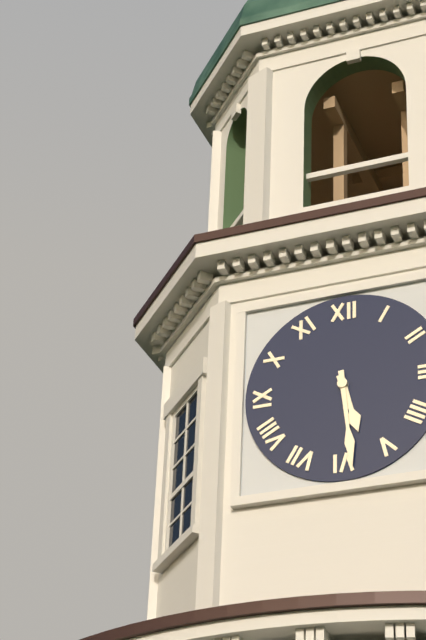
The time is 5:29
